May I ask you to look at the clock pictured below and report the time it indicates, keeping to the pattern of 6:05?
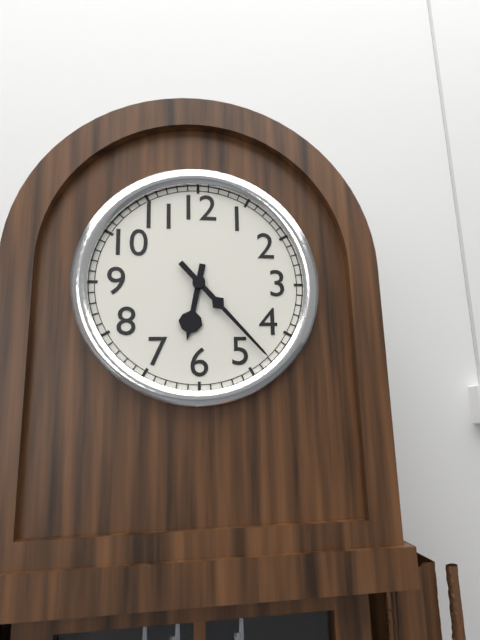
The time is 6:23
